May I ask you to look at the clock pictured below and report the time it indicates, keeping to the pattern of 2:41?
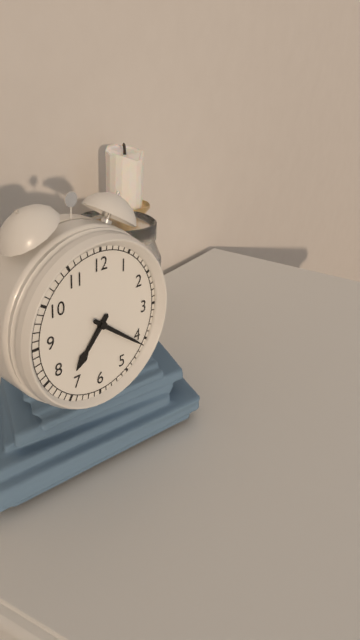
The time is 7:21
